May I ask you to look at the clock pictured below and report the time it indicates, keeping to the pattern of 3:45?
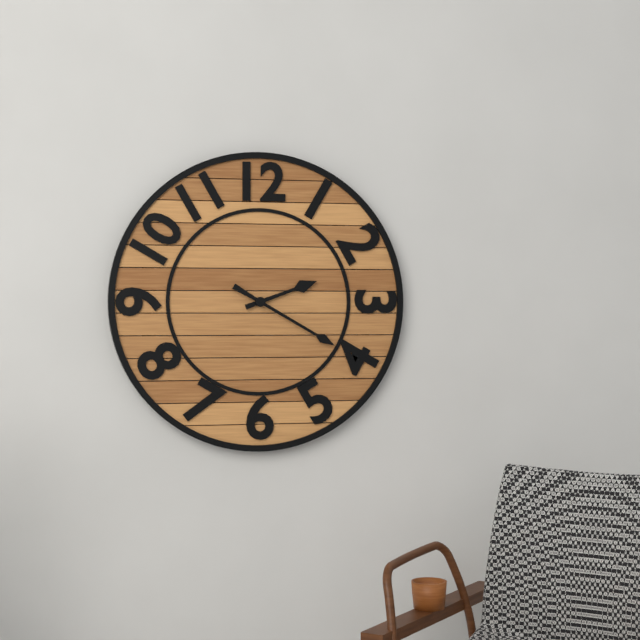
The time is 2:20
